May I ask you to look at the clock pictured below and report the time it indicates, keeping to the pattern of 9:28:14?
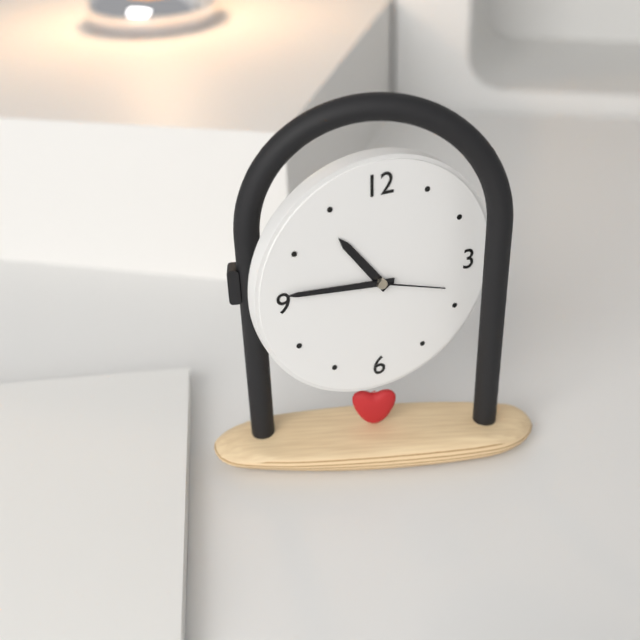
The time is 10:46:18
